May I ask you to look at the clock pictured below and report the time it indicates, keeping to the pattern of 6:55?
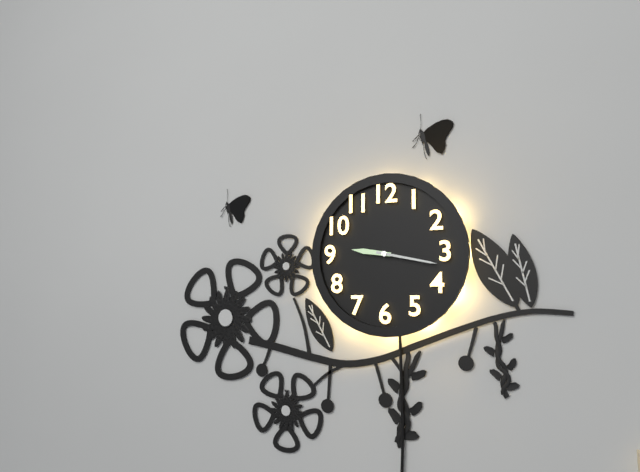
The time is 9:17
